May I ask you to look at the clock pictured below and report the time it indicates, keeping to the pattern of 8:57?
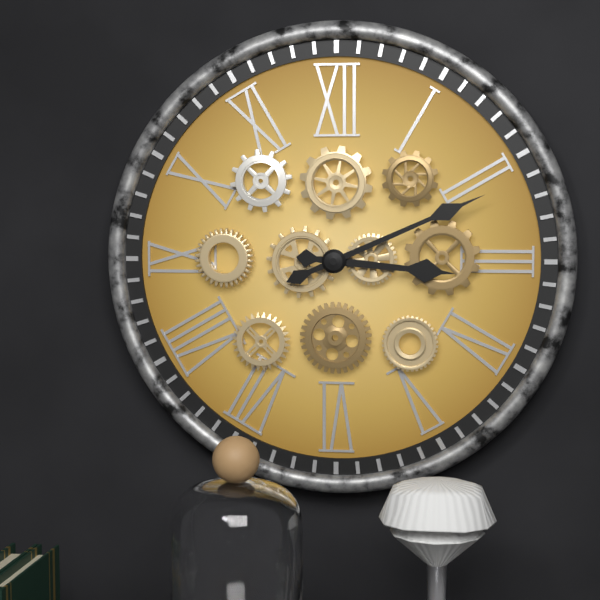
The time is 3:11
